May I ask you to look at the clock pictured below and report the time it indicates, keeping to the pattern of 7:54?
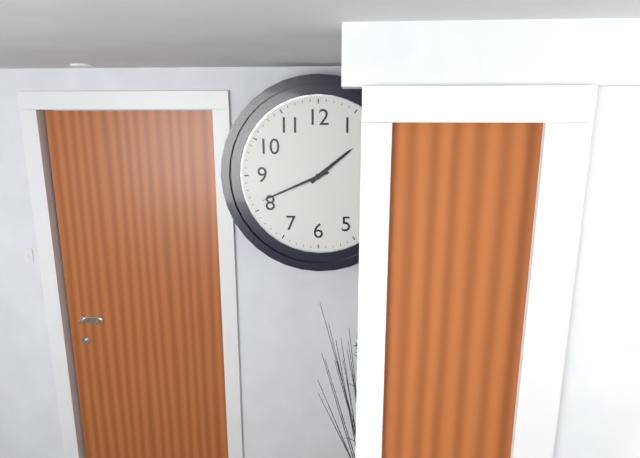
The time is 1:41
